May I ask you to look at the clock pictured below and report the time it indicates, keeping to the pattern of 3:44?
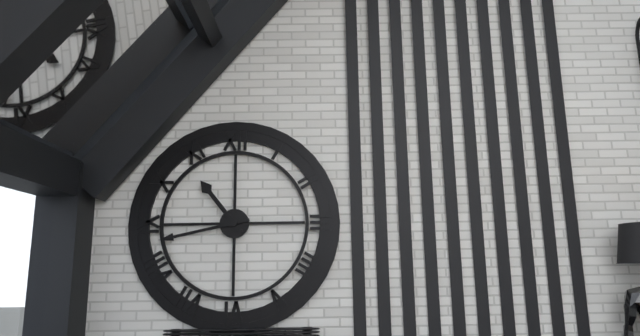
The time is 10:43
